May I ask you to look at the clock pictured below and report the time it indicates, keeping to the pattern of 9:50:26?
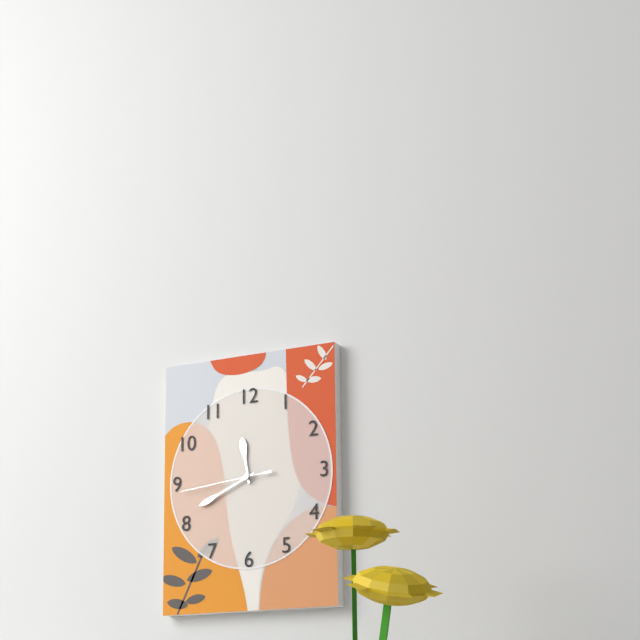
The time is 11:41:44
